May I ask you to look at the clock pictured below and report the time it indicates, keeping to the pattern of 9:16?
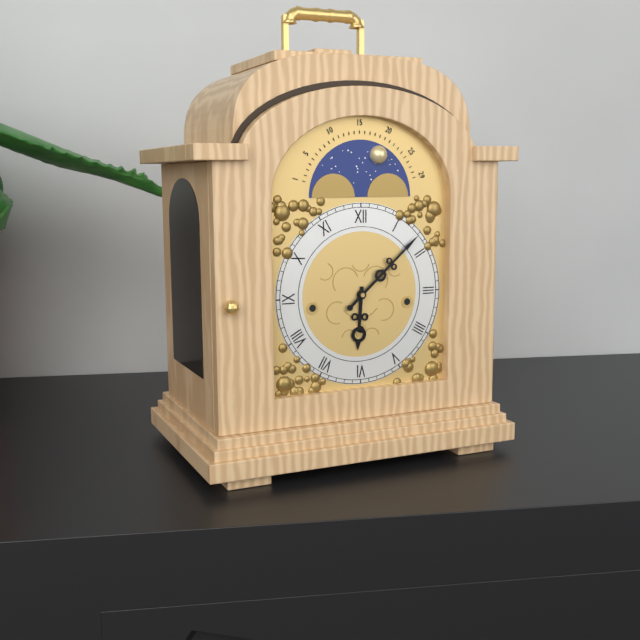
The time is 6:08
